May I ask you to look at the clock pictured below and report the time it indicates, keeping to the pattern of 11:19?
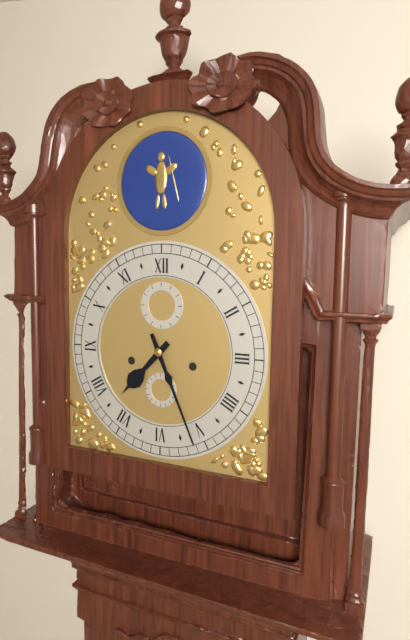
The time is 7:26
